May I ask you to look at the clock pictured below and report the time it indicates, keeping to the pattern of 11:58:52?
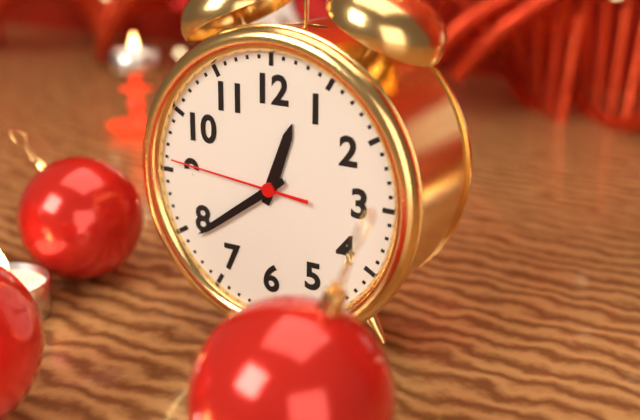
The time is 12:39:46
